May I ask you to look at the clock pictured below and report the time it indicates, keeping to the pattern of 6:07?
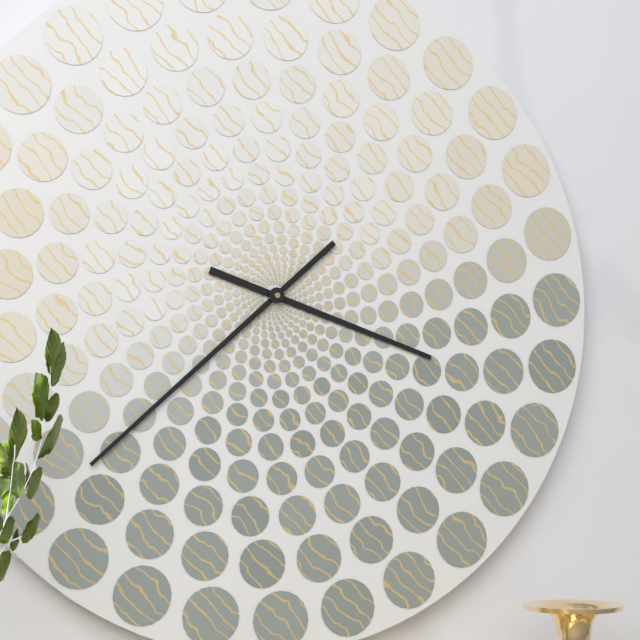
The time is 3:38
